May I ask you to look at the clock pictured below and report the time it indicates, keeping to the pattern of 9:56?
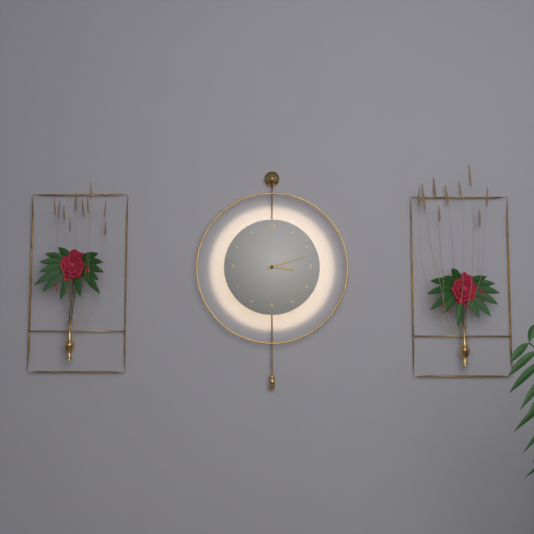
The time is 3:12
